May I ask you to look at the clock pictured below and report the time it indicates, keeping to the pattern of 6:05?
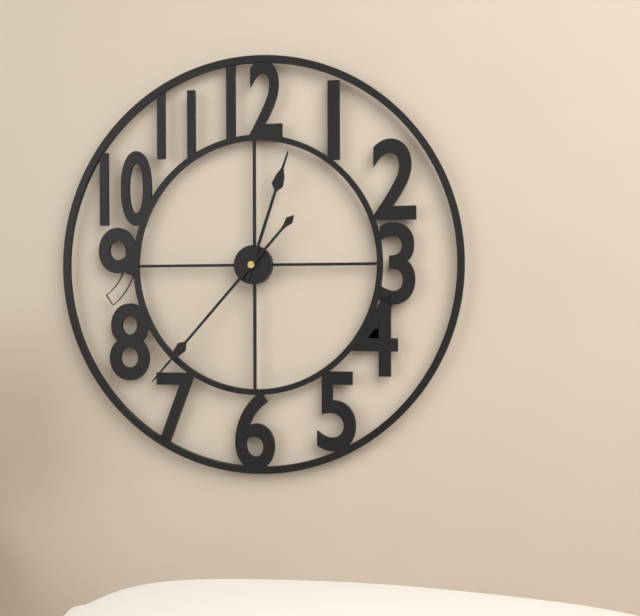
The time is 12:37
